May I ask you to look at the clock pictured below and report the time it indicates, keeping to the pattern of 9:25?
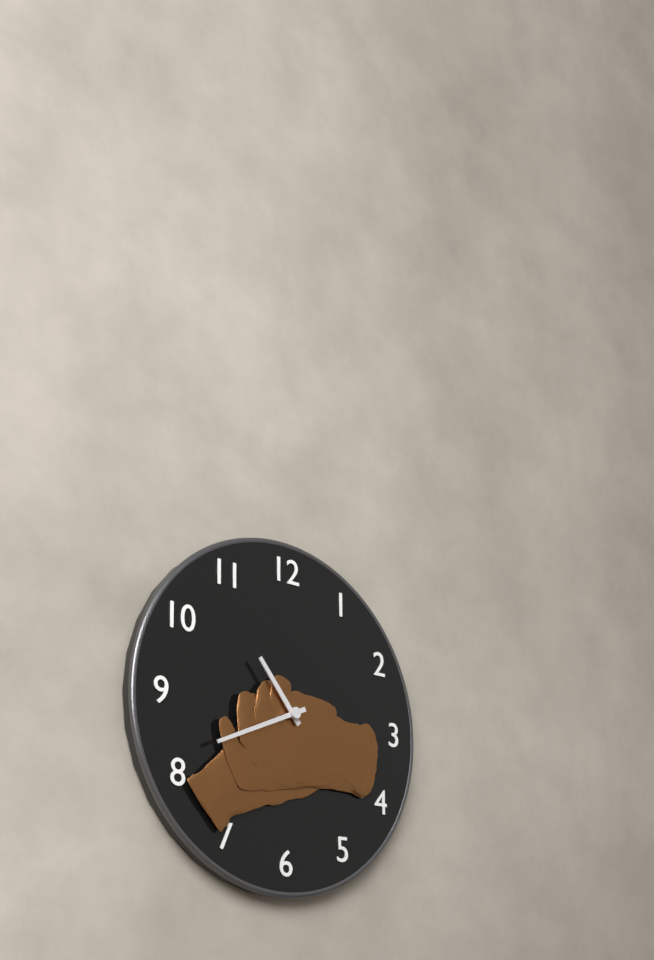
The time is 10:41
